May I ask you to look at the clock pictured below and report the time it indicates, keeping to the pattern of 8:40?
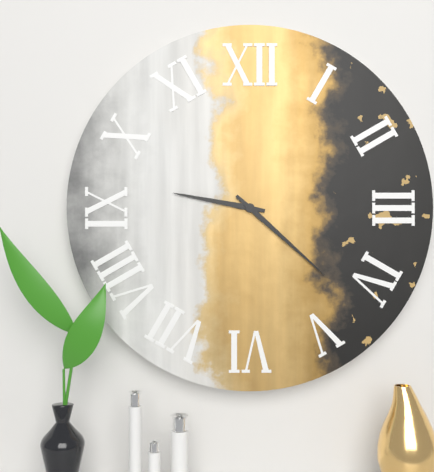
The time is 9:22
